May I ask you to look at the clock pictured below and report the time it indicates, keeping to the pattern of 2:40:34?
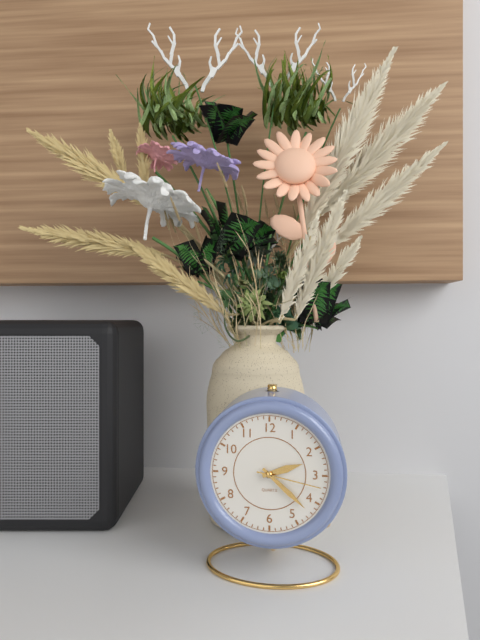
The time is 2:22:17
